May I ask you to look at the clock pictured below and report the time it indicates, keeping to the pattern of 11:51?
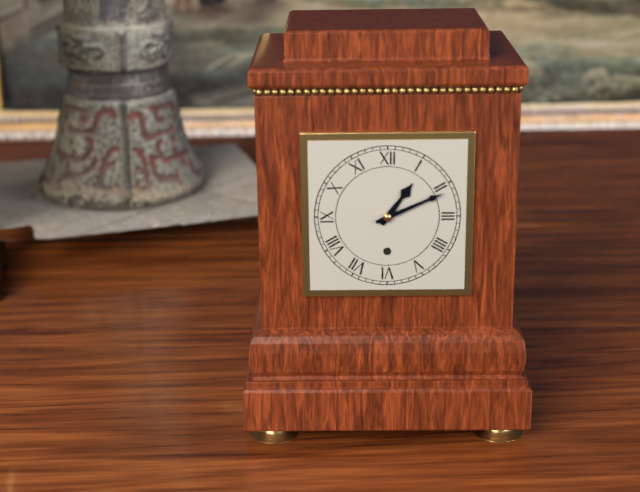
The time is 1:11
